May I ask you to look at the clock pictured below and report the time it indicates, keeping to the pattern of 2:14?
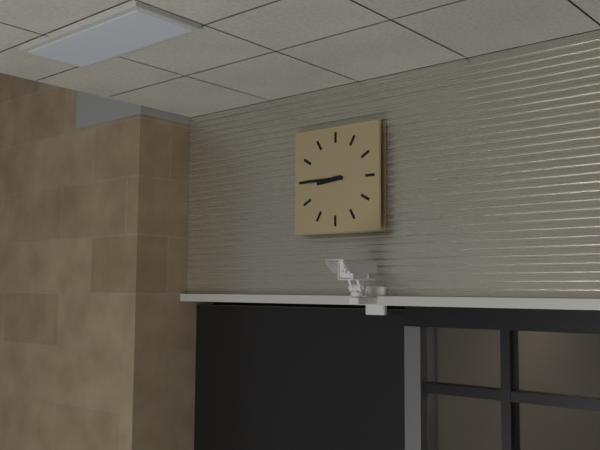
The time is 8:45
